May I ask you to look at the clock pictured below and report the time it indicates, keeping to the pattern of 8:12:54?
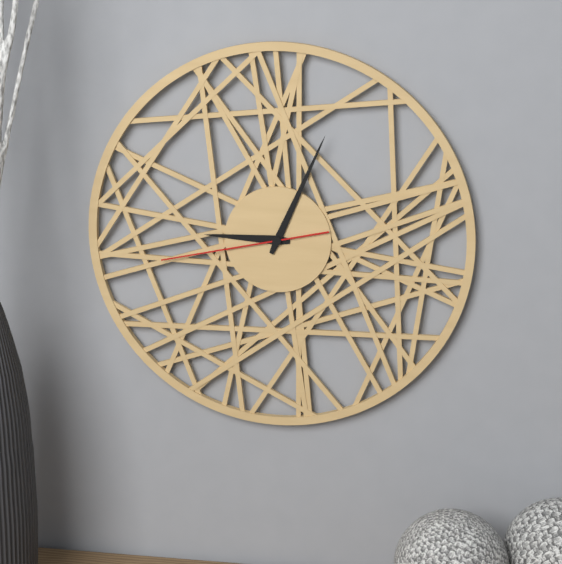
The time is 9:04:43
